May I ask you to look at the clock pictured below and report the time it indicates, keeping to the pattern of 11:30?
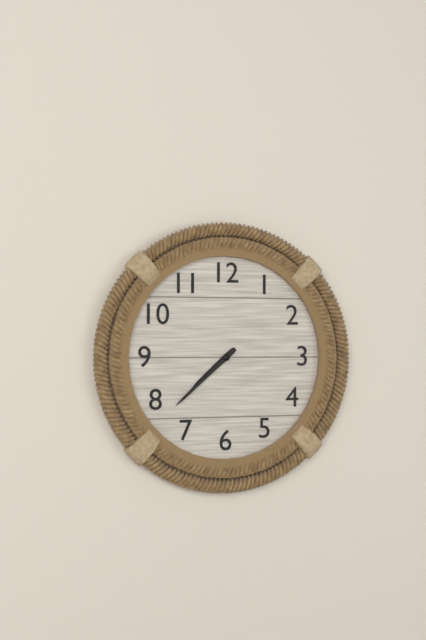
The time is 7:38
